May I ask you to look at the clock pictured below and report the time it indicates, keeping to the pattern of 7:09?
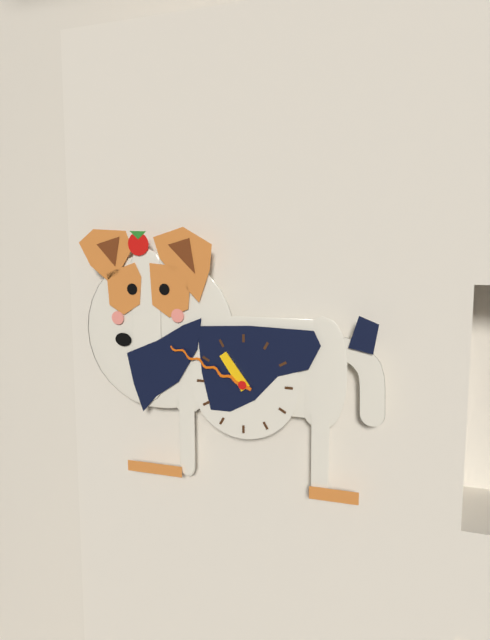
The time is 10:49
